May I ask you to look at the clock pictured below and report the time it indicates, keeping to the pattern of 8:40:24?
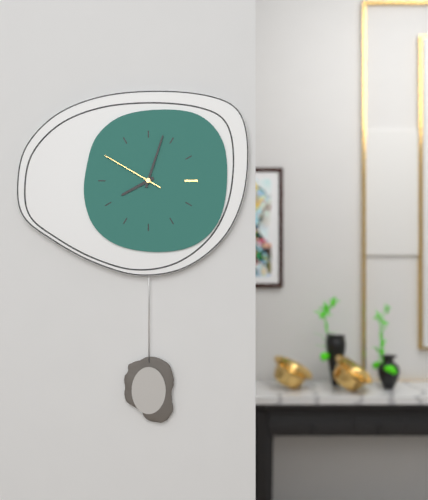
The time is 8:03:50
